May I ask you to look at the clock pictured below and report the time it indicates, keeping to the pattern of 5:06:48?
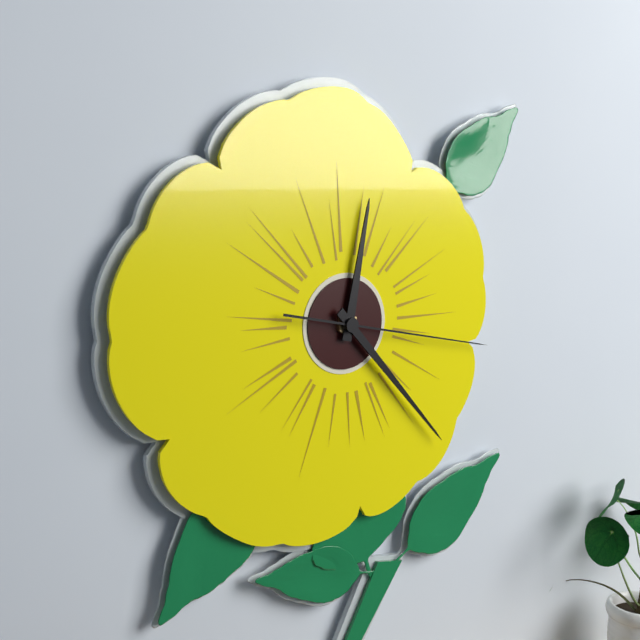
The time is 12:23:17
